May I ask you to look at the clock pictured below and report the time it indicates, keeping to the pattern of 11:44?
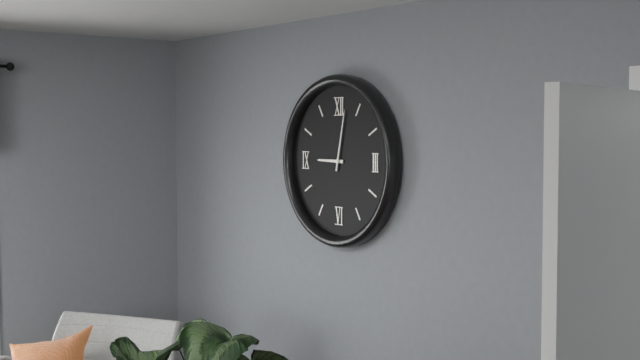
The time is 9:02
